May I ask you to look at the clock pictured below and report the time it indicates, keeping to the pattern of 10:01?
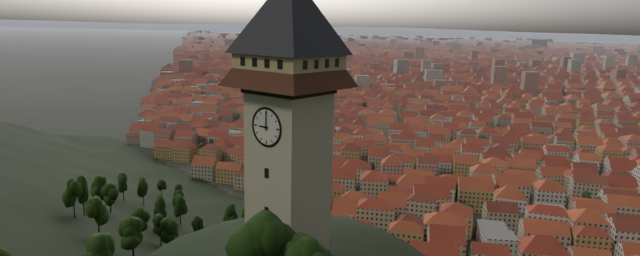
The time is 9:00
